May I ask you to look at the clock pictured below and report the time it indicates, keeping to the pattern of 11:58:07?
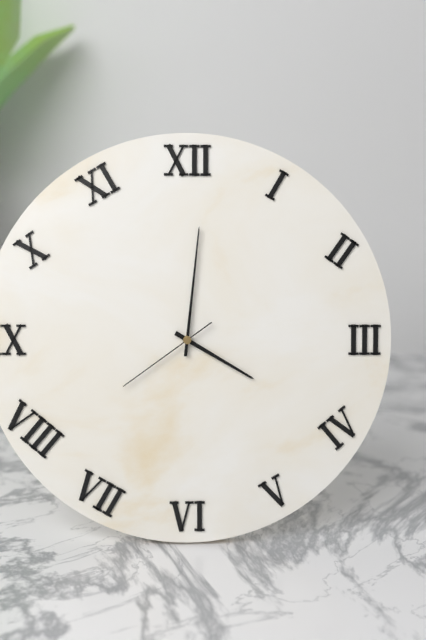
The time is 4:01:39
